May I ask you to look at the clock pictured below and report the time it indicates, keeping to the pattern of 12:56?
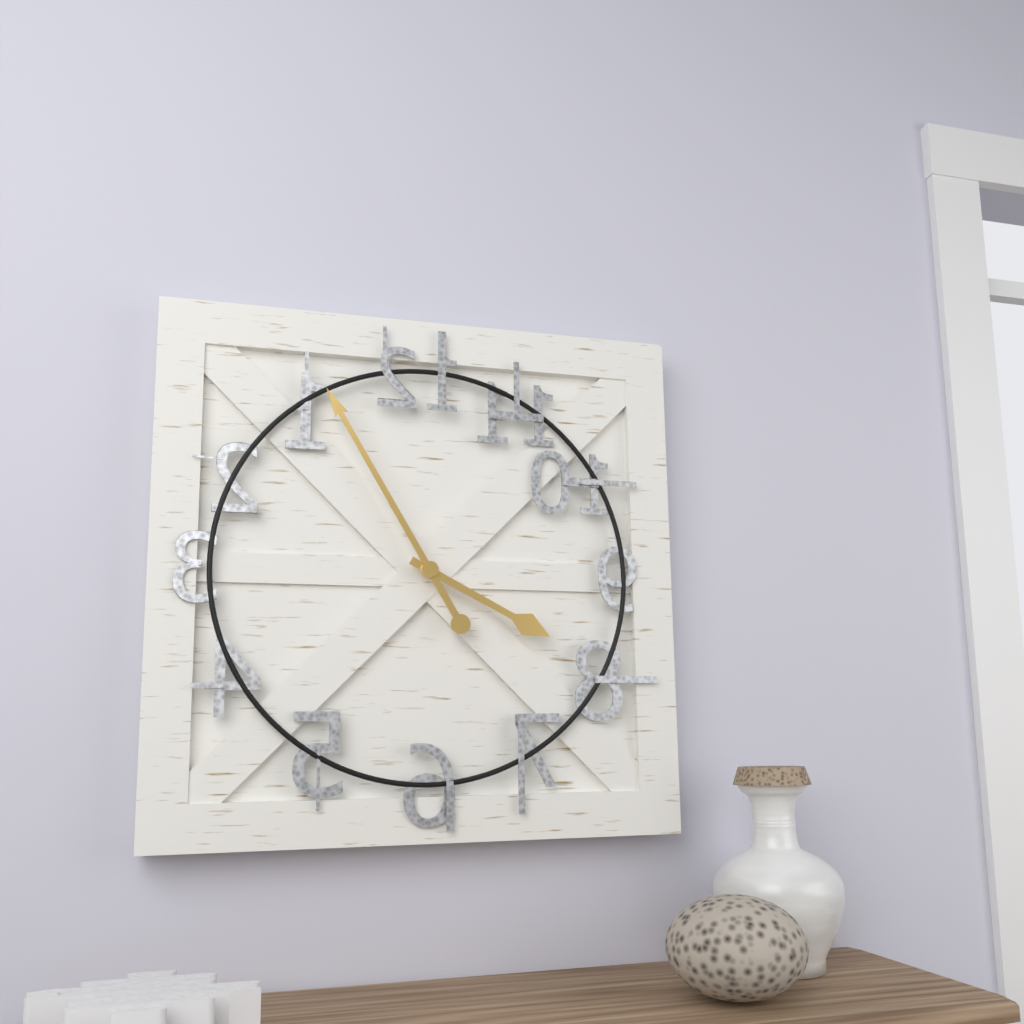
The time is 3:55
